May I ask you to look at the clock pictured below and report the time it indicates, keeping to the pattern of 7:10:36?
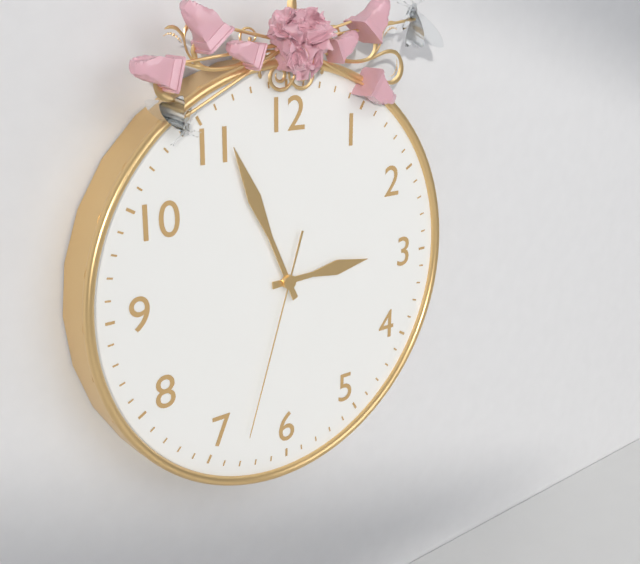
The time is 2:56:33
